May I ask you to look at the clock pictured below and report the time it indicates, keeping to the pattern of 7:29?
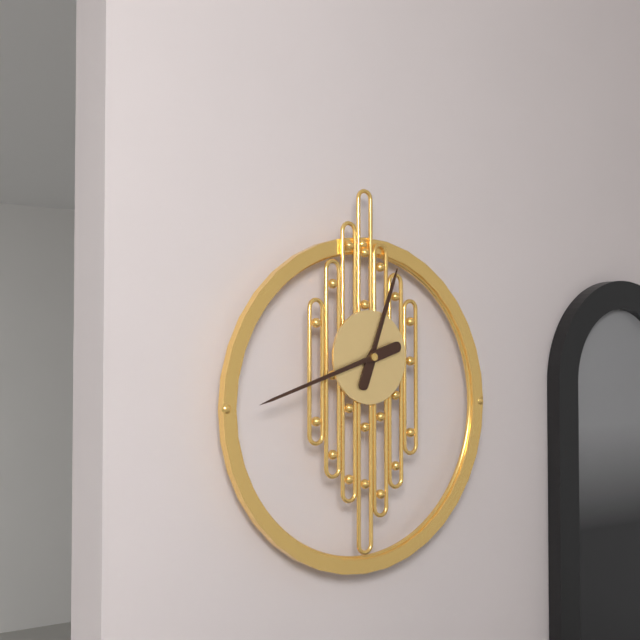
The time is 12:42
